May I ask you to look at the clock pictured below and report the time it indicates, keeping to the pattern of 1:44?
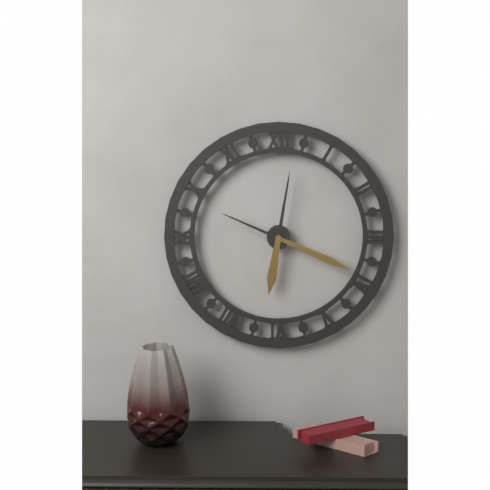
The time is 6:19
